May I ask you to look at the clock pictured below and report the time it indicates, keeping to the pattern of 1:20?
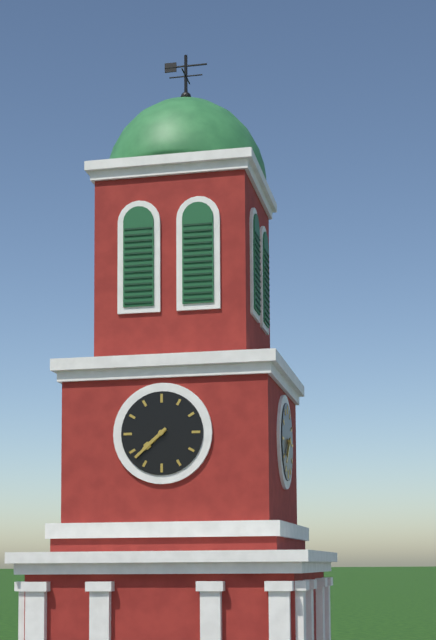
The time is 7:38
